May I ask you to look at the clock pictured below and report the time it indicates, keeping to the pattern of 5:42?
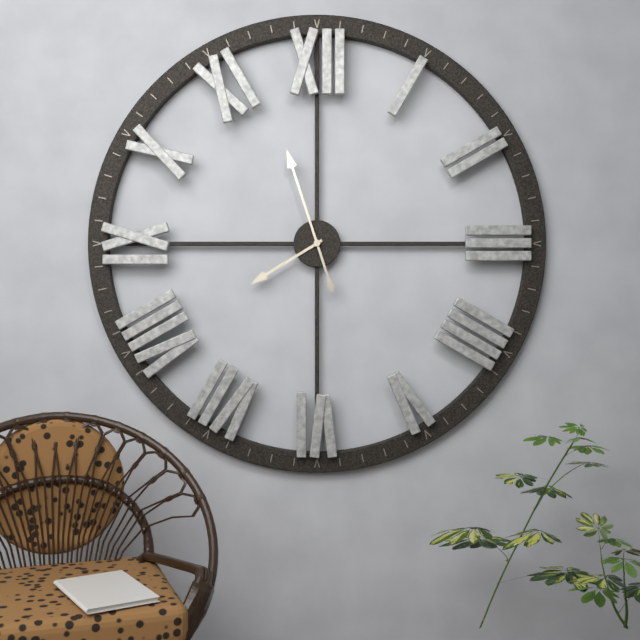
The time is 7:57
